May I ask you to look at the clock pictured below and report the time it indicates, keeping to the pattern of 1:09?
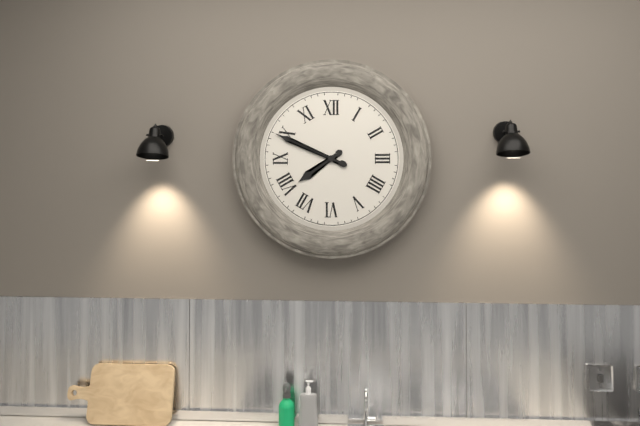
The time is 7:49
